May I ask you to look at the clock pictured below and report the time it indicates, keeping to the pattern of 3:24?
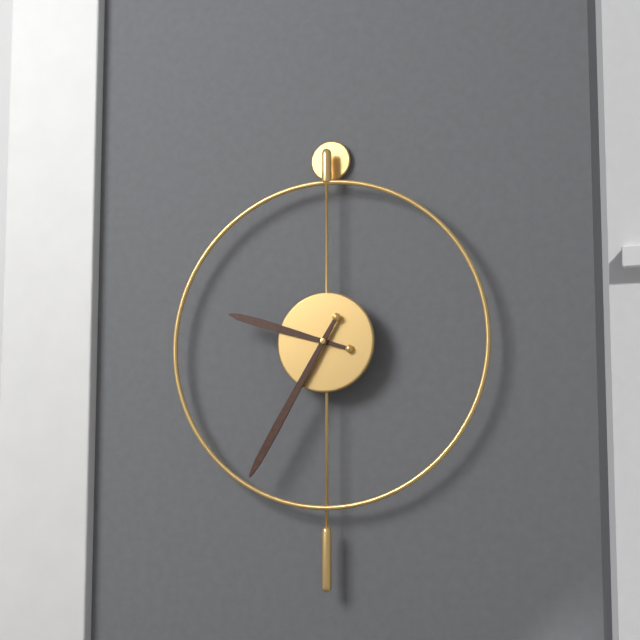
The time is 9:35
